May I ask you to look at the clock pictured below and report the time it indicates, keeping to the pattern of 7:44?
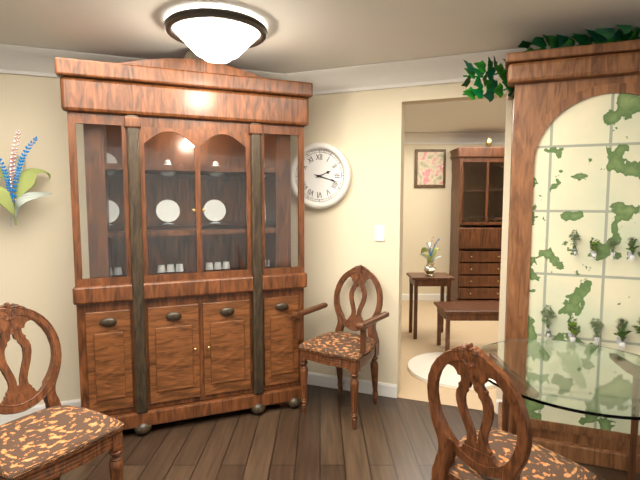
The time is 2:18
